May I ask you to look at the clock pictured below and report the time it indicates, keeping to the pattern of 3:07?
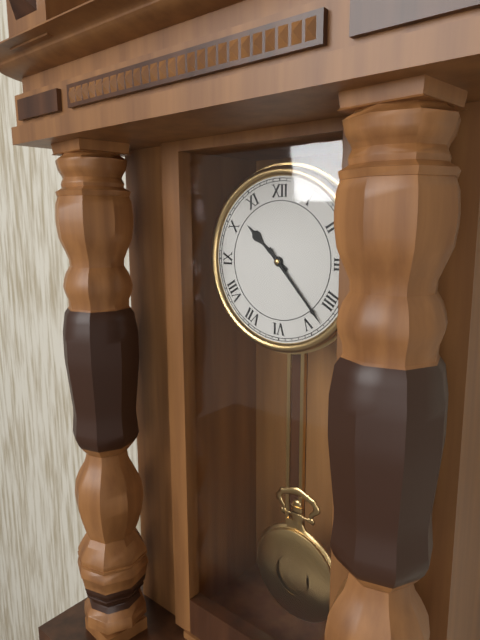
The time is 10:23
